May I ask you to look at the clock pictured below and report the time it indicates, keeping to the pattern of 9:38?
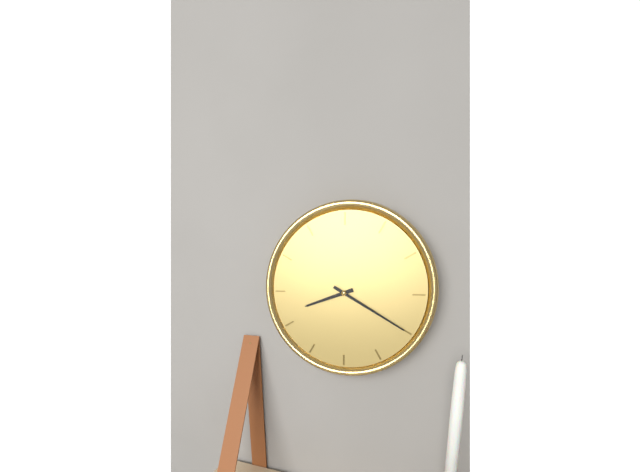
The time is 8:20
